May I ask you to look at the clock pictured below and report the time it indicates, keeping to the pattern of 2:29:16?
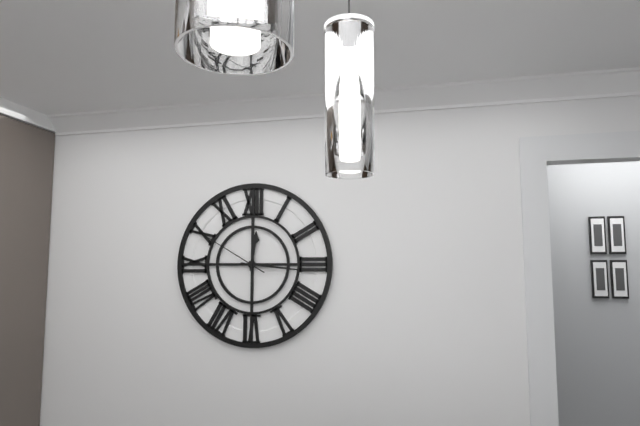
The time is 12:16:50
